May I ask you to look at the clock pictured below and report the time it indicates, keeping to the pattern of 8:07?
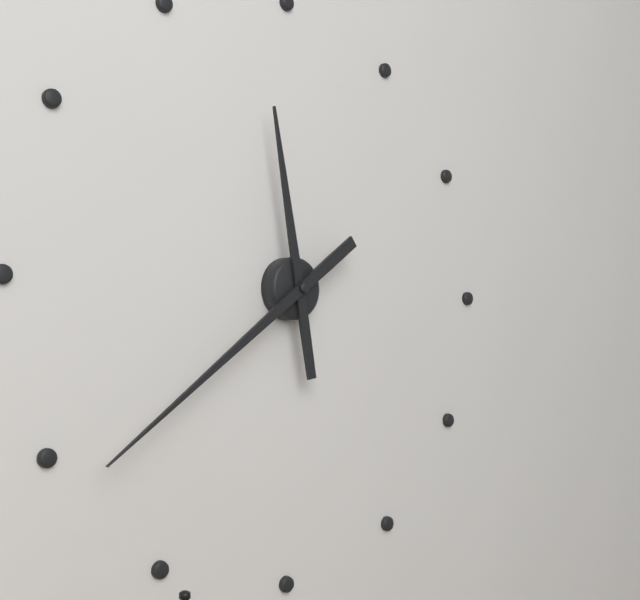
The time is 11:39
